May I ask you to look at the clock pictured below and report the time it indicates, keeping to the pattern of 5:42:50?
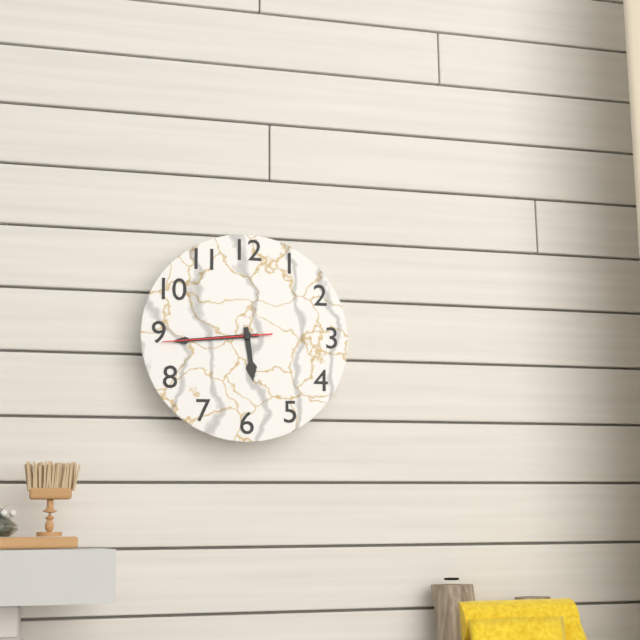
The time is 5:44:44
